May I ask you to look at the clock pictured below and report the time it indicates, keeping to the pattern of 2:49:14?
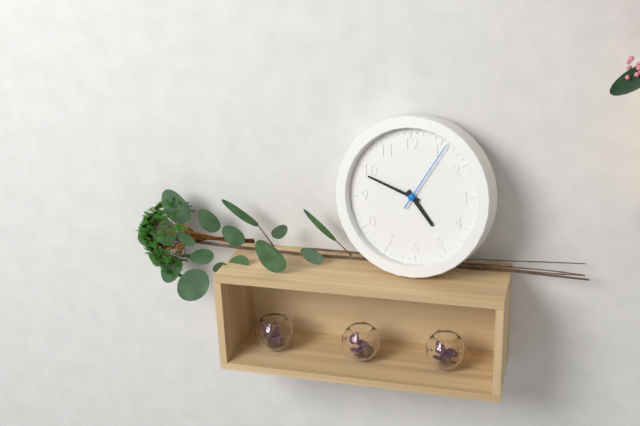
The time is 4:49:06
